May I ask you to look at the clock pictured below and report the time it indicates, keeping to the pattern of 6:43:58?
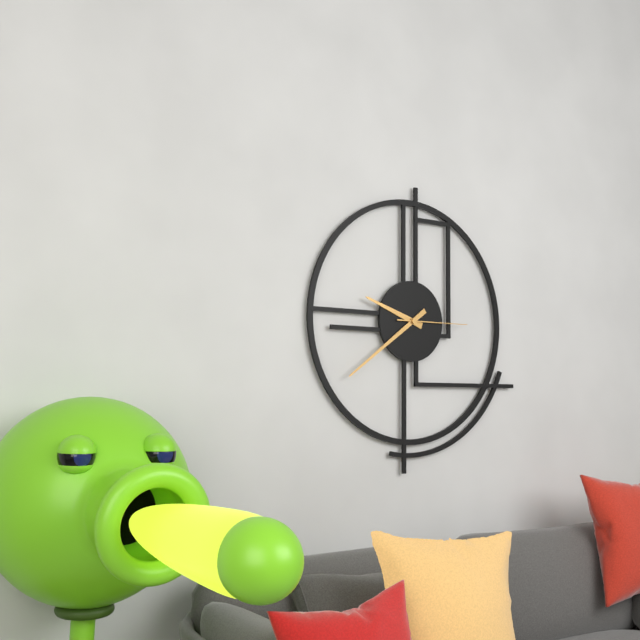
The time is 9:39:15
